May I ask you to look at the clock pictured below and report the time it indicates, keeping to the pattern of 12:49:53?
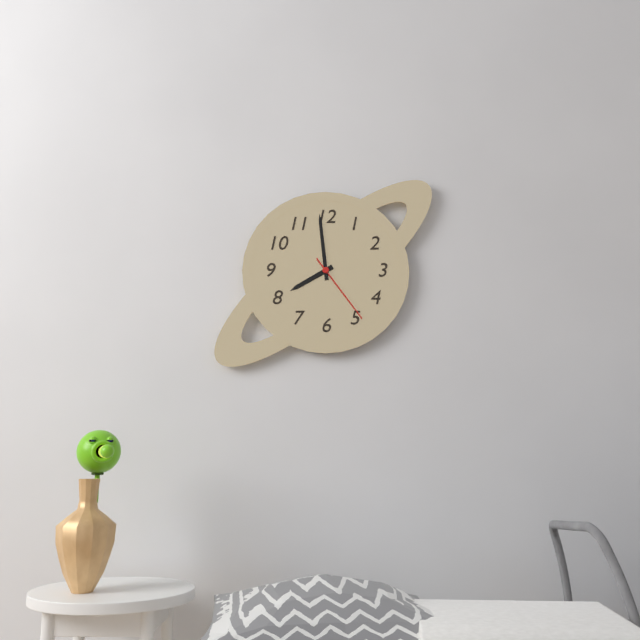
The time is 7:59:24
